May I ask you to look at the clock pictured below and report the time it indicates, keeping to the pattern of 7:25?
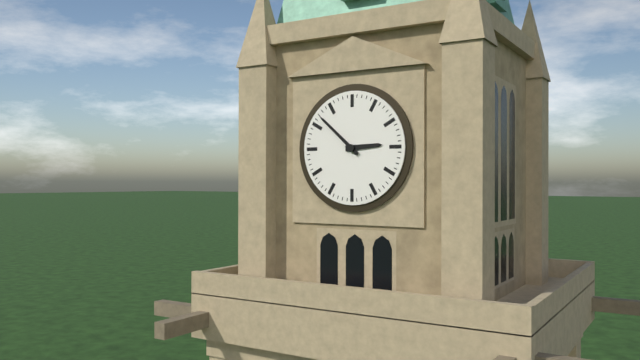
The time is 2:52
